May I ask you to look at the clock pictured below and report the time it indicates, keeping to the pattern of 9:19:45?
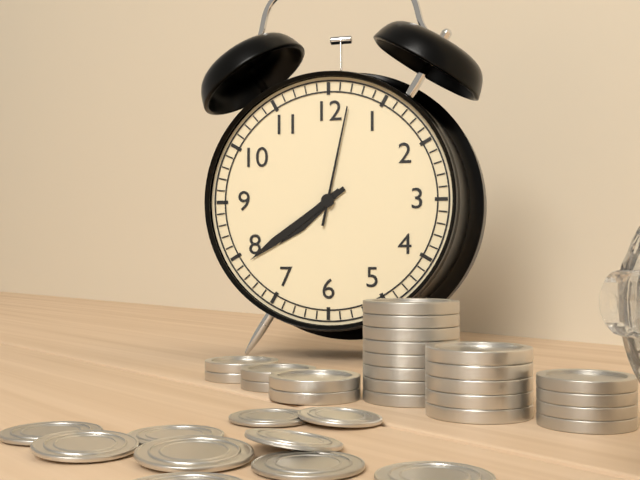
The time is 7:39:02
